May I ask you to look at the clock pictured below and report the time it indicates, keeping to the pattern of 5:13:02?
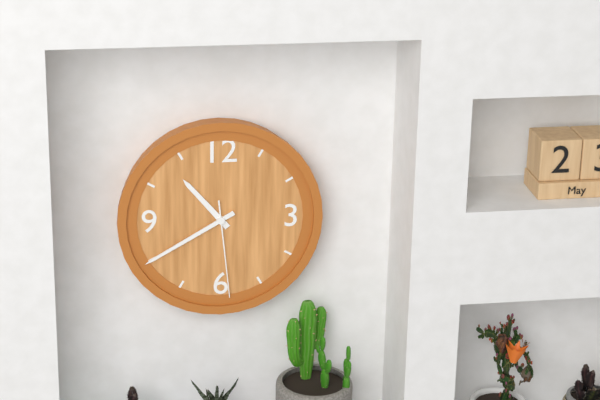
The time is 10:40:29
